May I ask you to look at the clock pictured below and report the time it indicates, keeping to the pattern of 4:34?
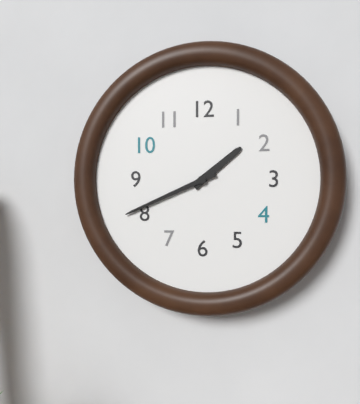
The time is 1:41
